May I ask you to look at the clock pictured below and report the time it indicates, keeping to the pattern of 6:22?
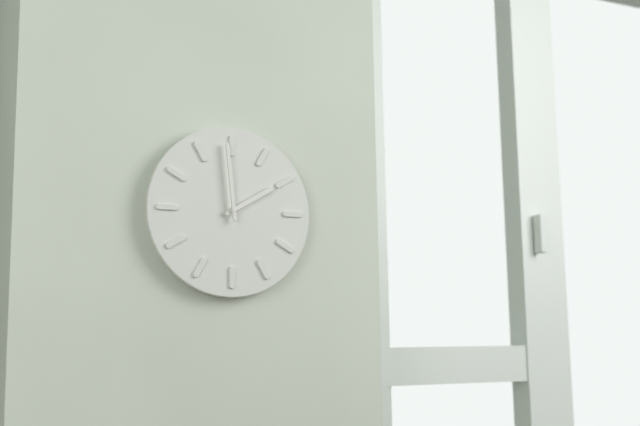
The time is 1:59
